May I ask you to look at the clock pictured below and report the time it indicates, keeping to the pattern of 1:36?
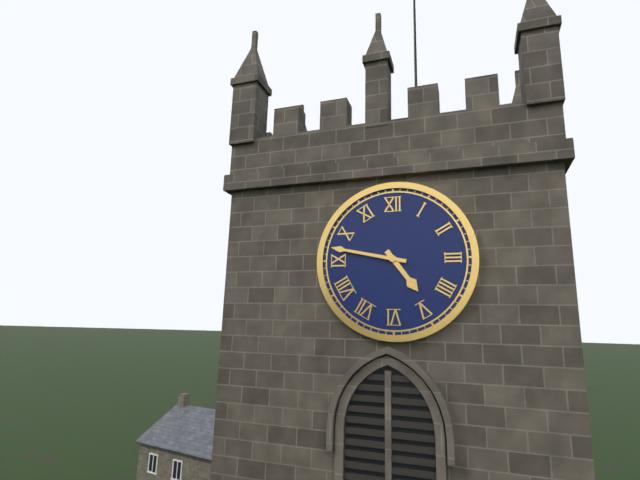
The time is 4:47
